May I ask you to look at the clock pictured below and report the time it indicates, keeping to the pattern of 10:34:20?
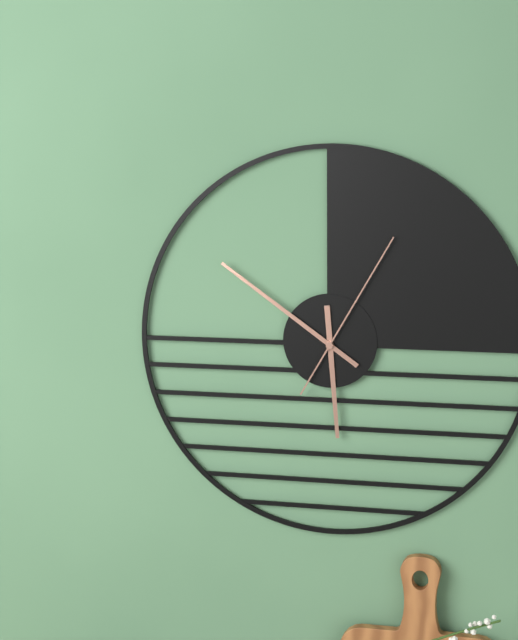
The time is 5:51:05
